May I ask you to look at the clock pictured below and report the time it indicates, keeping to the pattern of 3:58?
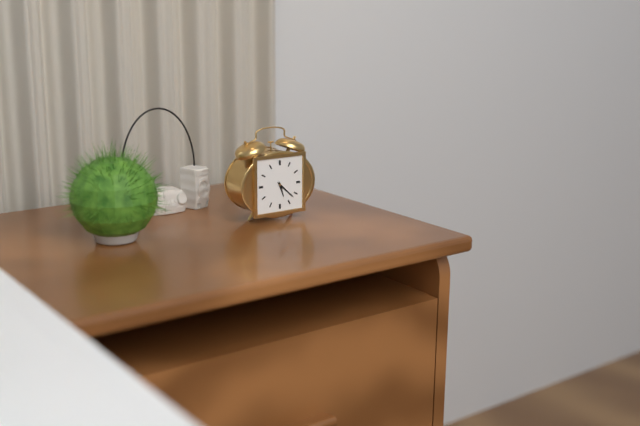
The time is 5:22
